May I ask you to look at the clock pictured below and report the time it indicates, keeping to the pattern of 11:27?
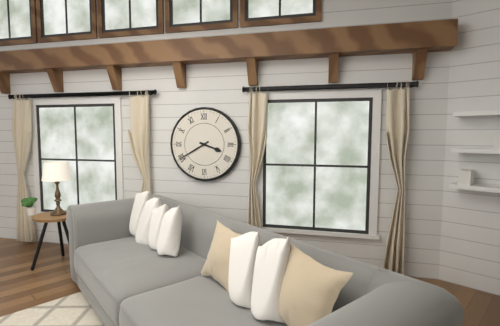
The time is 3:40
